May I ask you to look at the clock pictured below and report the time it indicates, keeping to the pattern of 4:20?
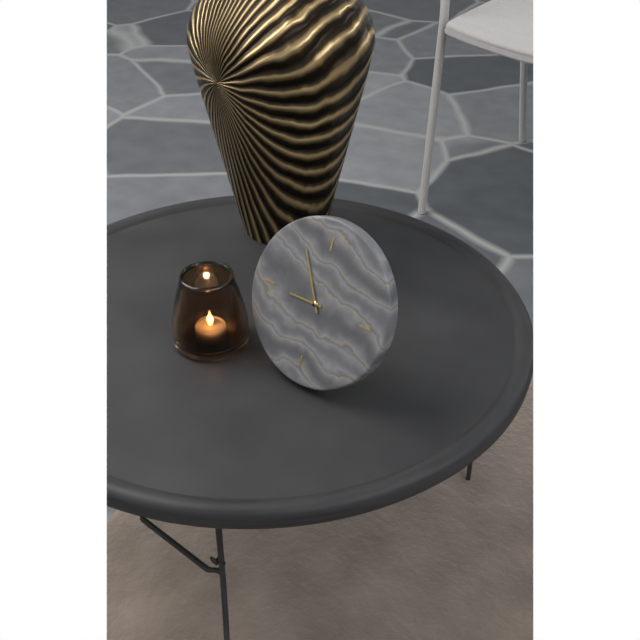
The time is 8:55
